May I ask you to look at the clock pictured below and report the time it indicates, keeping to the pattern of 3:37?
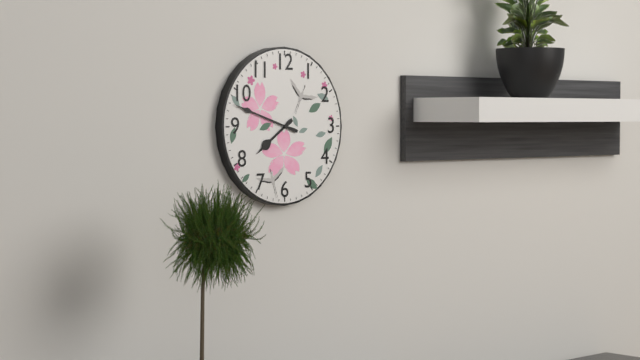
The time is 7:48
